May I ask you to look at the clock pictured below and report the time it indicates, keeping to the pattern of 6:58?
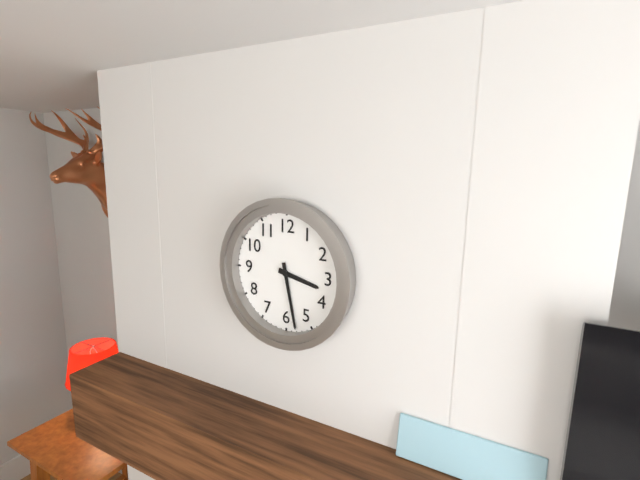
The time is 3:28
